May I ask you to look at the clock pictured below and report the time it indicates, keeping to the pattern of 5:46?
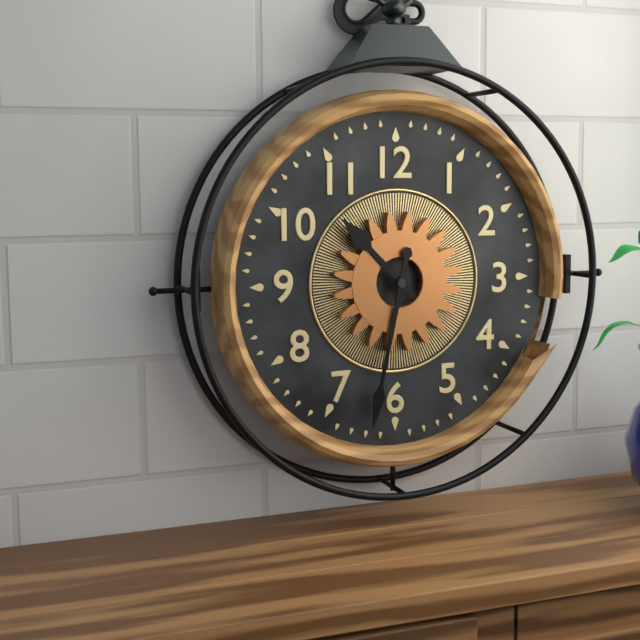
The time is 10:32
